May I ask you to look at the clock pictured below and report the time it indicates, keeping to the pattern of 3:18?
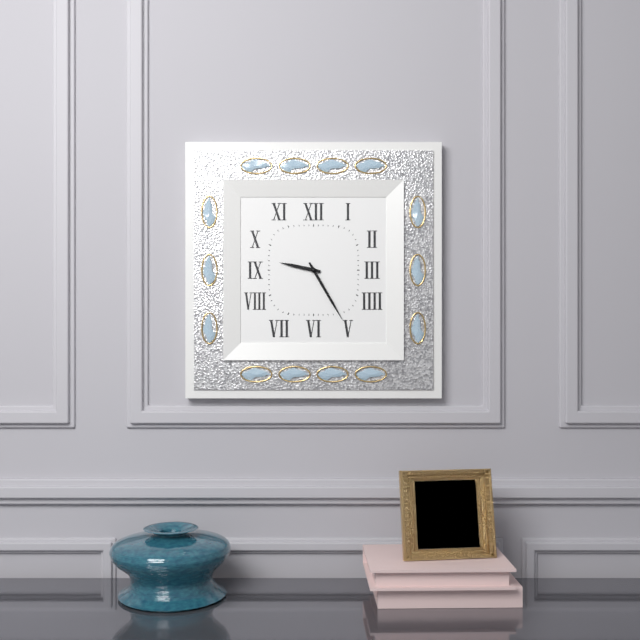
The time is 9:25
